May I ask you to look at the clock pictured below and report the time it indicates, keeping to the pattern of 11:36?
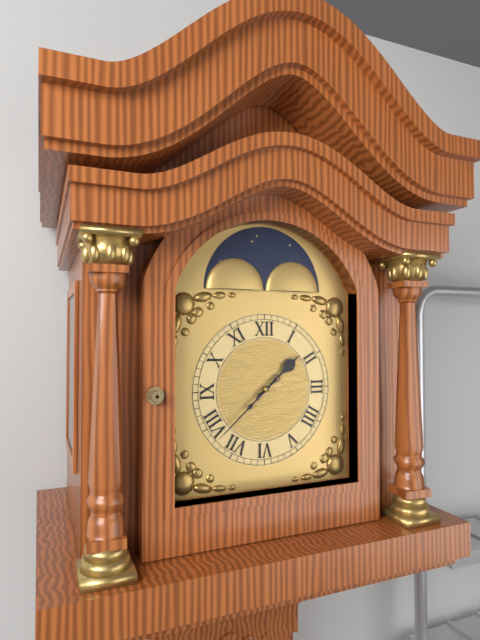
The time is 1:38
